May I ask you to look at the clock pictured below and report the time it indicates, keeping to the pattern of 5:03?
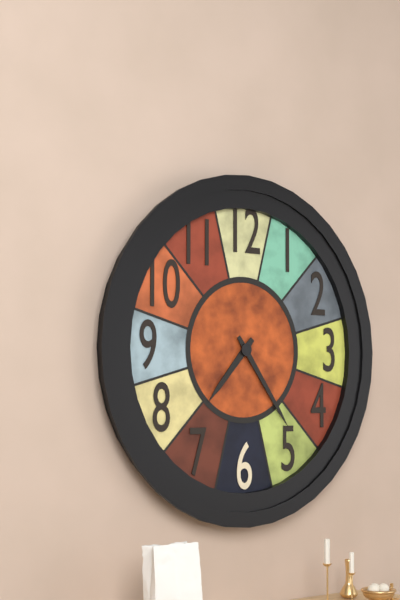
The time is 7:24
